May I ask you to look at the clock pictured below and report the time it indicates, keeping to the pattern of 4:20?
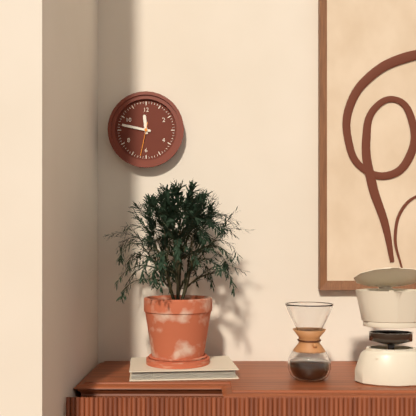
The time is 11:47
